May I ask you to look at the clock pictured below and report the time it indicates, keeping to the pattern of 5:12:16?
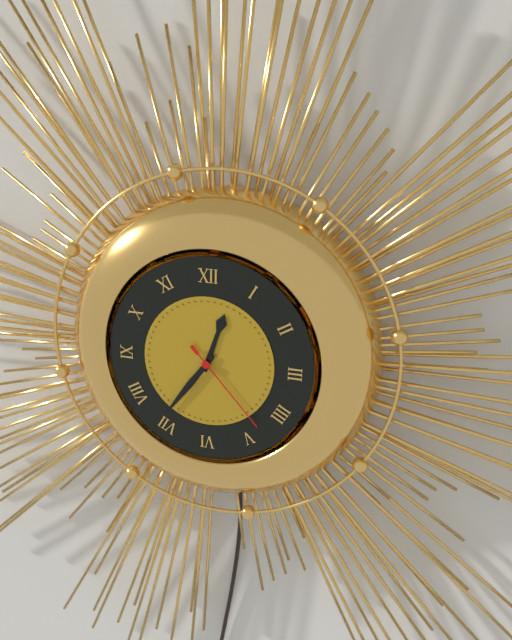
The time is 12:36:23
